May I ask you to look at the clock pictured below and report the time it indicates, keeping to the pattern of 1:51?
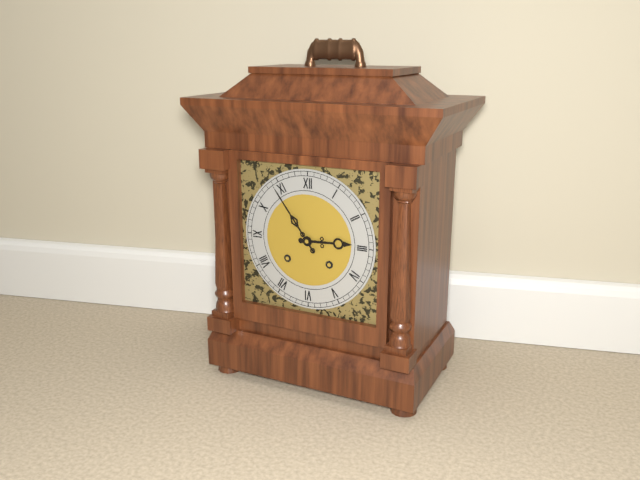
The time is 2:54
